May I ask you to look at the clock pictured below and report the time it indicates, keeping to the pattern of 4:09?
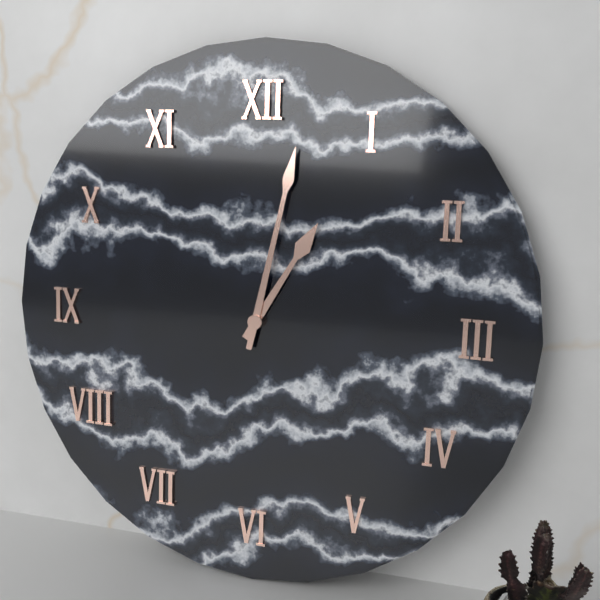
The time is 1:02
